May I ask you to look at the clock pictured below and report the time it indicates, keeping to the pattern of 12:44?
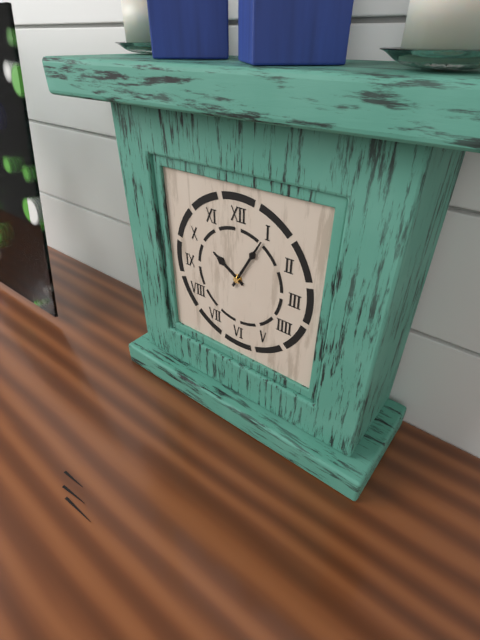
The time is 10:05
